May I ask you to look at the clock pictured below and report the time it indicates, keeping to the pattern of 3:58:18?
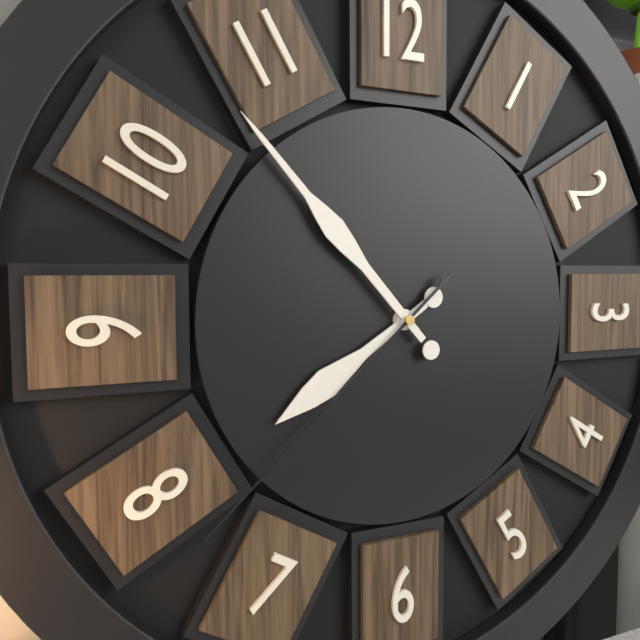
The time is 7:53:38
